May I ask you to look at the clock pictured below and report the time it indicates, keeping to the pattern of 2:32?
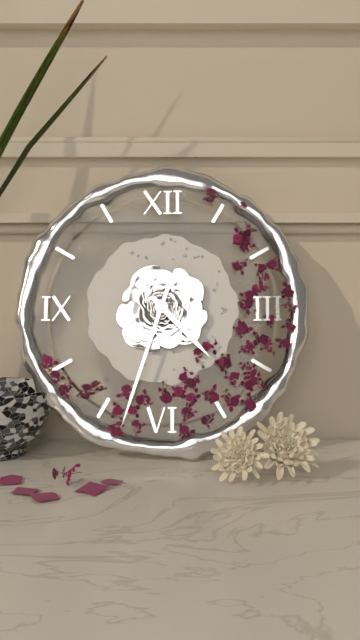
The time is 4:33
